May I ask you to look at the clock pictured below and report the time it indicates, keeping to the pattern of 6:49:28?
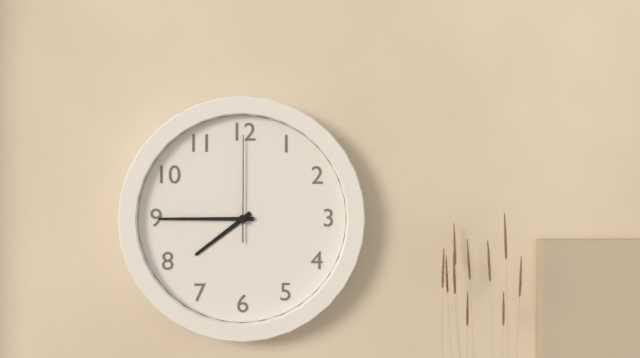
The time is 7:45:00
